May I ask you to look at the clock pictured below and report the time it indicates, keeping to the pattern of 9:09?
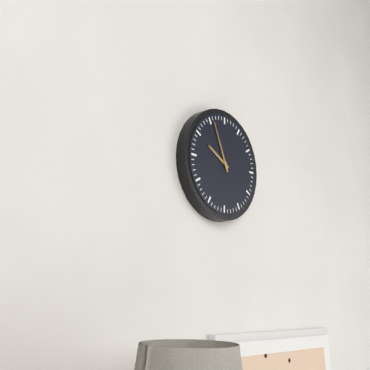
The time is 9:56
